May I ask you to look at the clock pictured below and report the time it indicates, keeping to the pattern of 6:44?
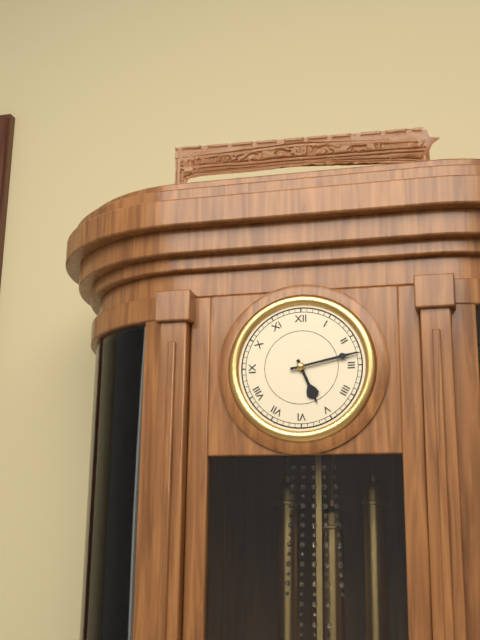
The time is 5:13
